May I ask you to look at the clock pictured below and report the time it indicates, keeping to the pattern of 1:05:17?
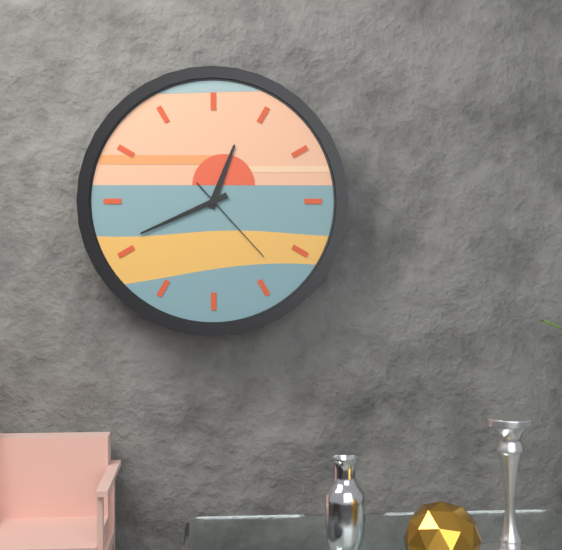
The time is 12:41:23
